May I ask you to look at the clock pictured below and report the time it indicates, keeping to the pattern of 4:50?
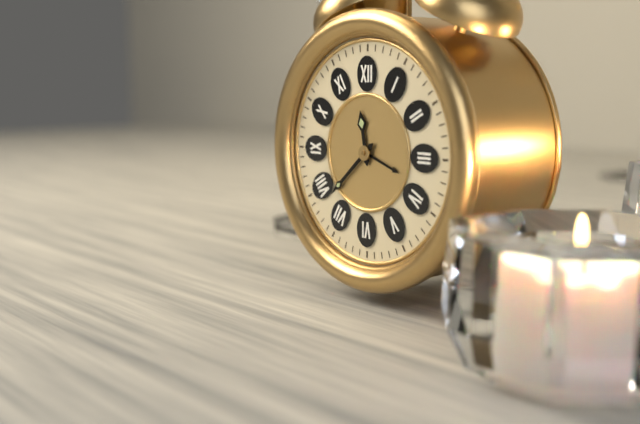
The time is 11:38
